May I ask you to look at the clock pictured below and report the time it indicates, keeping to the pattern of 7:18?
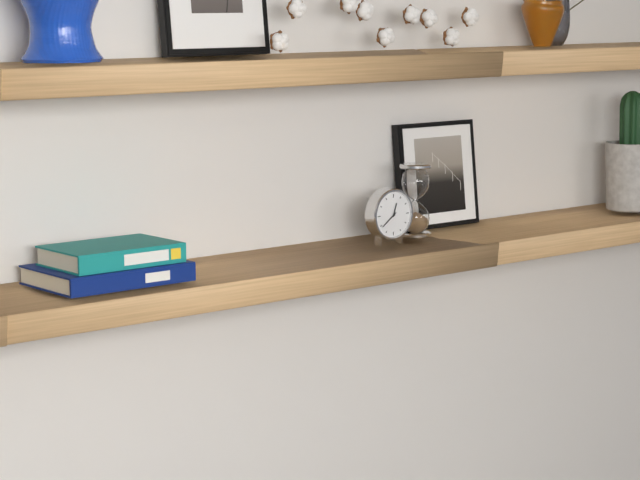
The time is 12:39
